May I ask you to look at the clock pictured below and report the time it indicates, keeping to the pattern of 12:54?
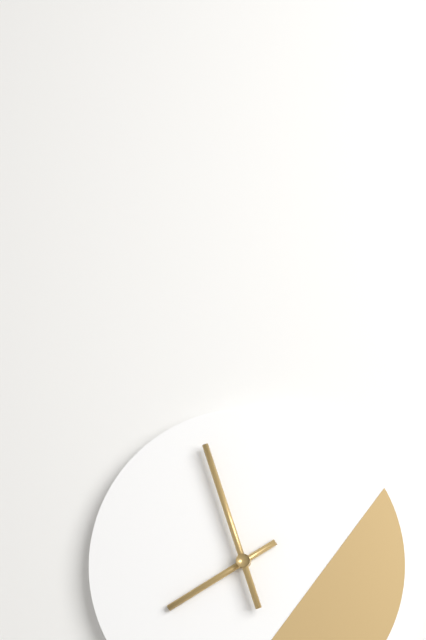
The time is 7:57
